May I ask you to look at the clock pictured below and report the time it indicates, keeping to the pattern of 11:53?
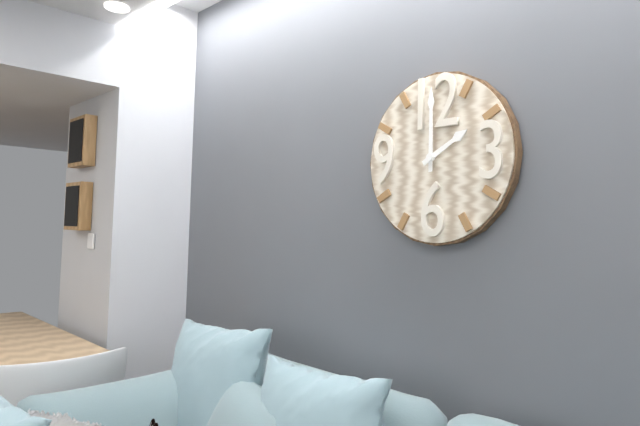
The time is 2:00
